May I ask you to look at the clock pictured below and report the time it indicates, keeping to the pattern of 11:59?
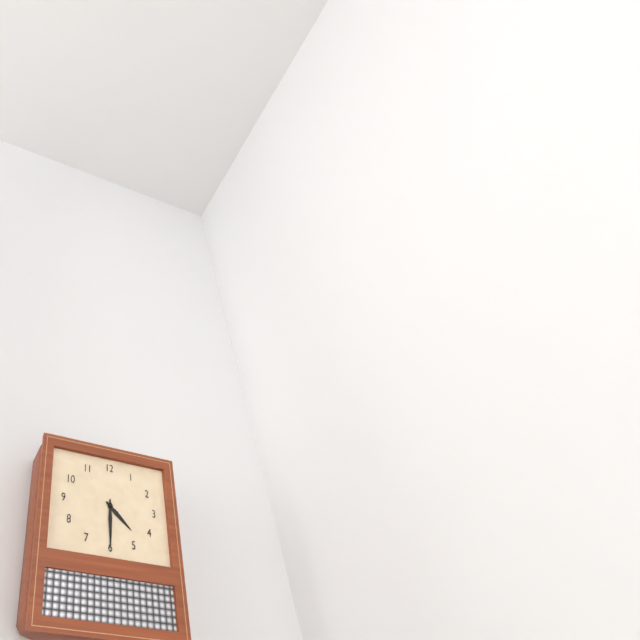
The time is 4:30
